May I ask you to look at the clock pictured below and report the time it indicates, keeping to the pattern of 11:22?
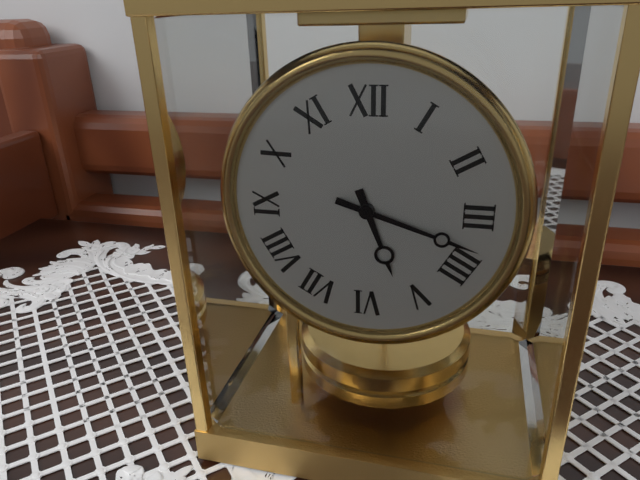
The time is 5:18
